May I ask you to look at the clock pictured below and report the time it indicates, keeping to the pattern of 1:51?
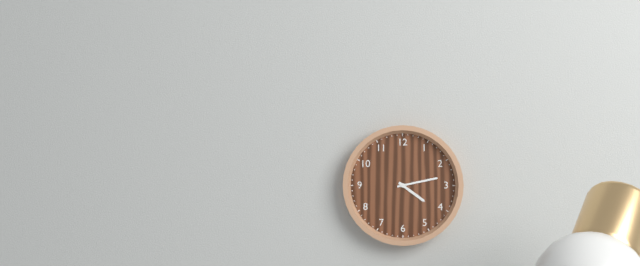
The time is 4:13
